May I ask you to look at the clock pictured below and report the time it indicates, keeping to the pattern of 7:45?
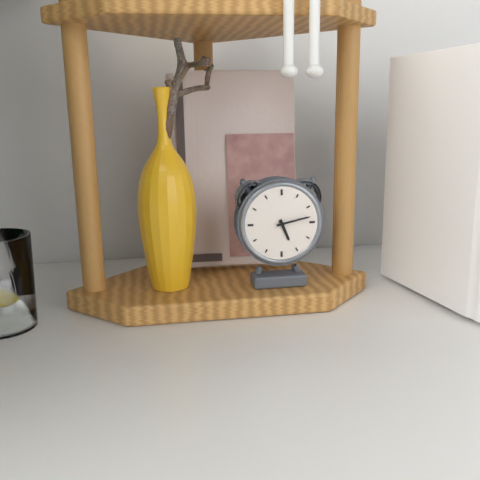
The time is 5:13
